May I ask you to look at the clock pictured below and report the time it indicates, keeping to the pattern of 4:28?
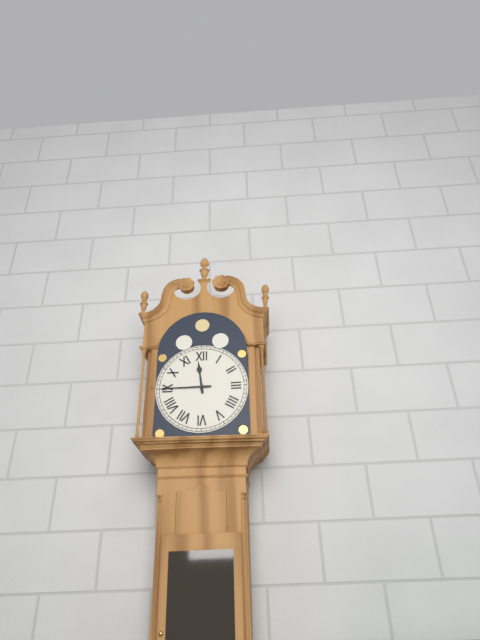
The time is 11:45
